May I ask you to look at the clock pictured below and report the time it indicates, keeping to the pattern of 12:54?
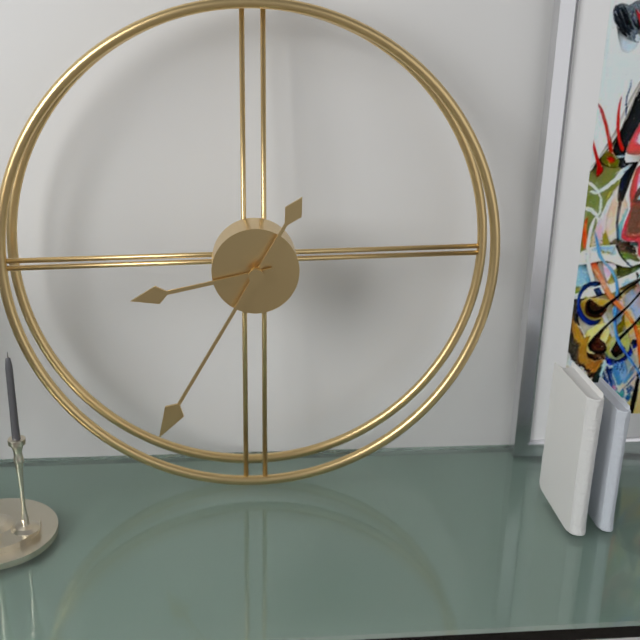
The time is 8:35
